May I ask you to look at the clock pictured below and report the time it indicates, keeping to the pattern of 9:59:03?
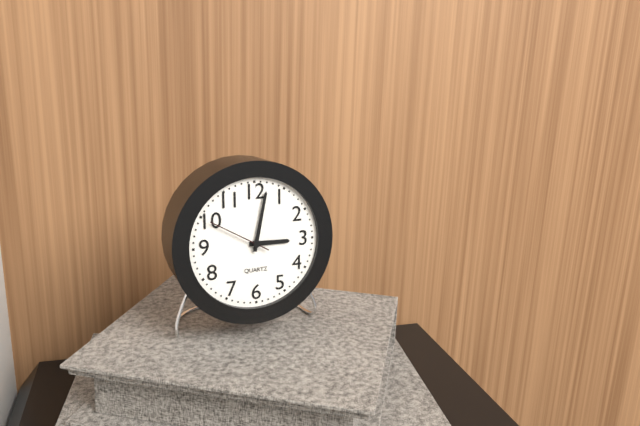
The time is 3:02:50
